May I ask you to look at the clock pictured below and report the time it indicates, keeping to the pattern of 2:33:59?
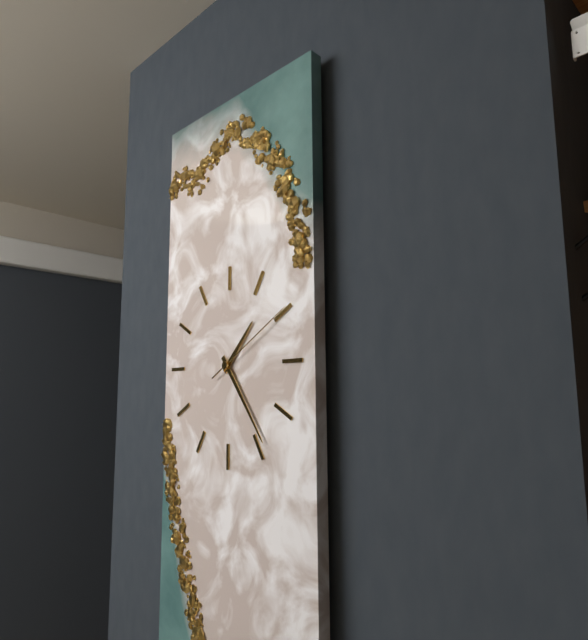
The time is 1:24:10
